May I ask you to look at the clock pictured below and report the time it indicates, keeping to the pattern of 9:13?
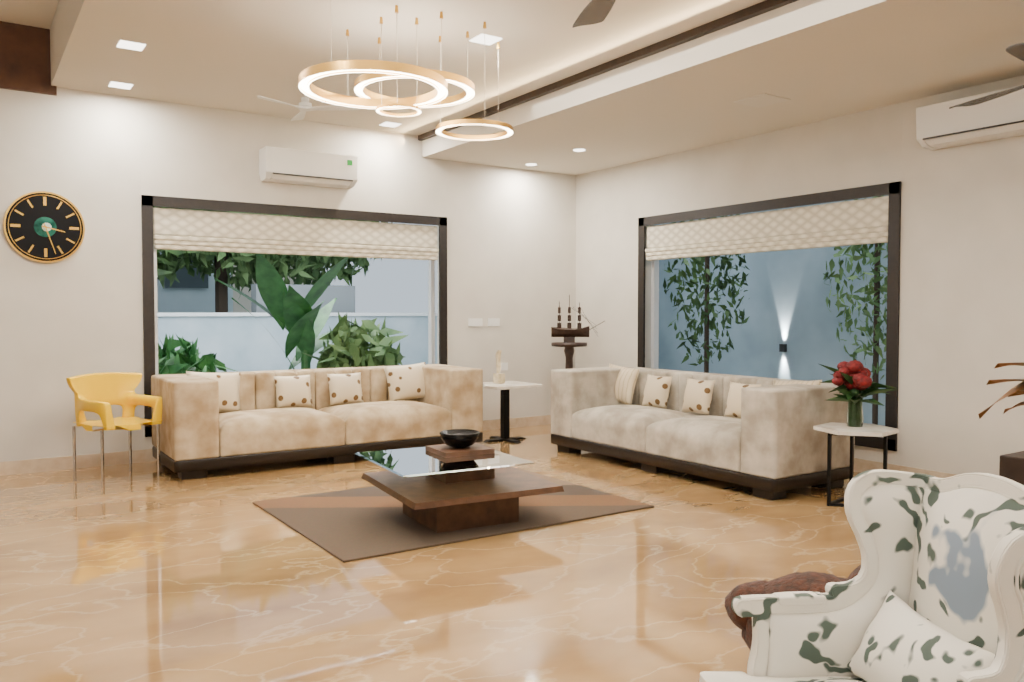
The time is 3:27
